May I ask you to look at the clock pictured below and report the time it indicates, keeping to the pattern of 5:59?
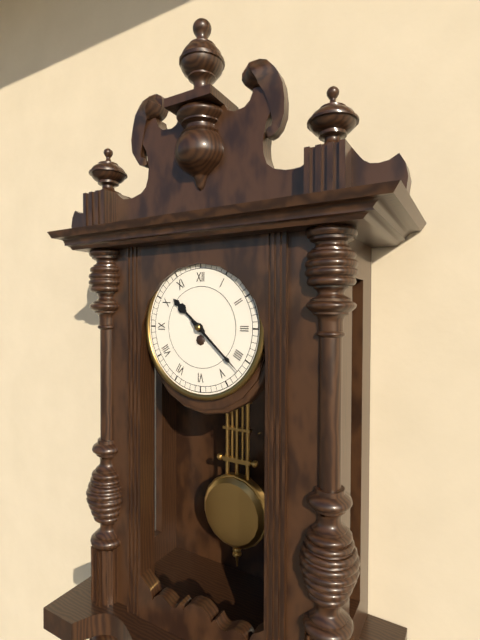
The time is 10:22
